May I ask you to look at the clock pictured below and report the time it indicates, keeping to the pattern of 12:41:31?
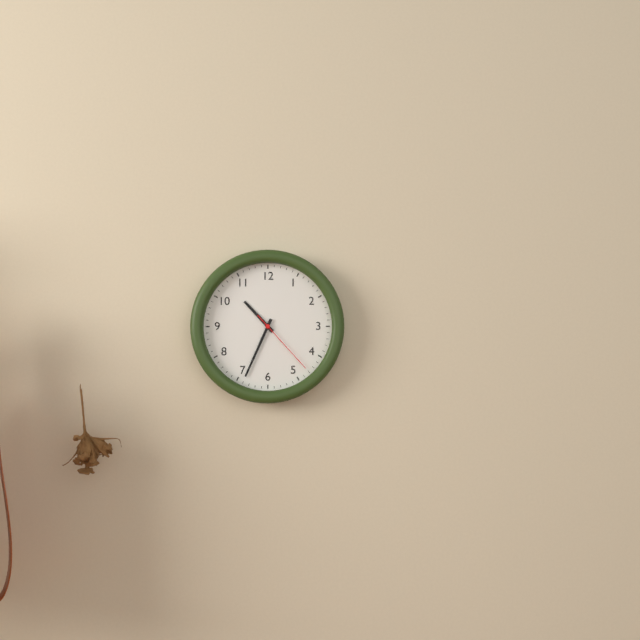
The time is 10:34:23
